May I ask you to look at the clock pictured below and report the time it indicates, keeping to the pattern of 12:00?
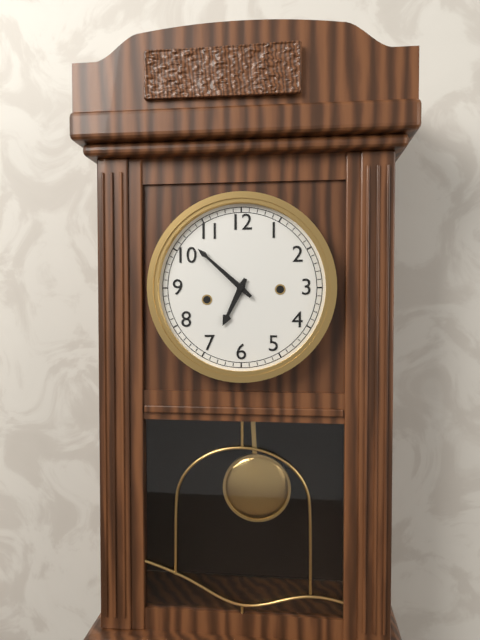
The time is 6:52
